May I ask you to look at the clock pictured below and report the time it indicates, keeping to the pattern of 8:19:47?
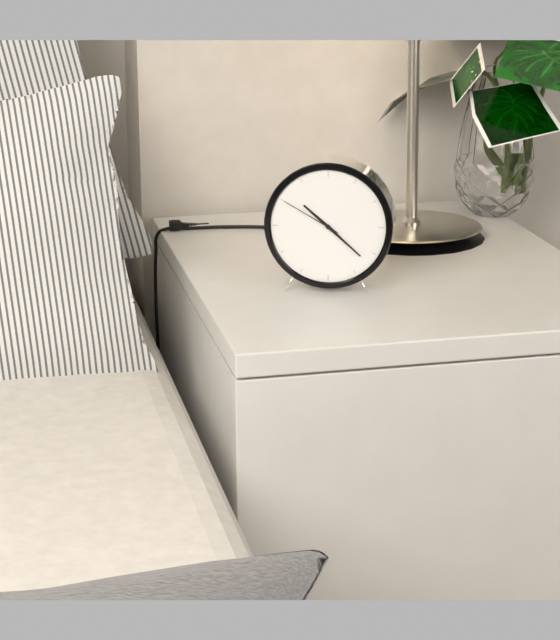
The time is 10:22:50
